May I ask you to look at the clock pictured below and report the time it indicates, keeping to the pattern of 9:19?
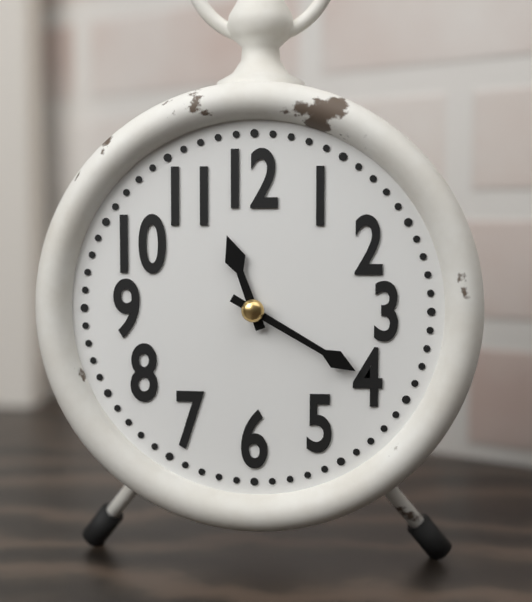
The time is 11:20
